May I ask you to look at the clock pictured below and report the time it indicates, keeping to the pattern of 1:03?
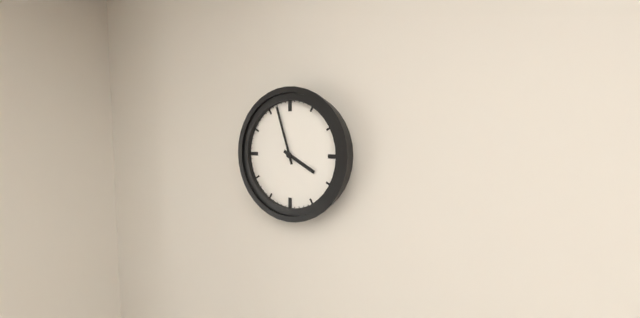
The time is 3:57
